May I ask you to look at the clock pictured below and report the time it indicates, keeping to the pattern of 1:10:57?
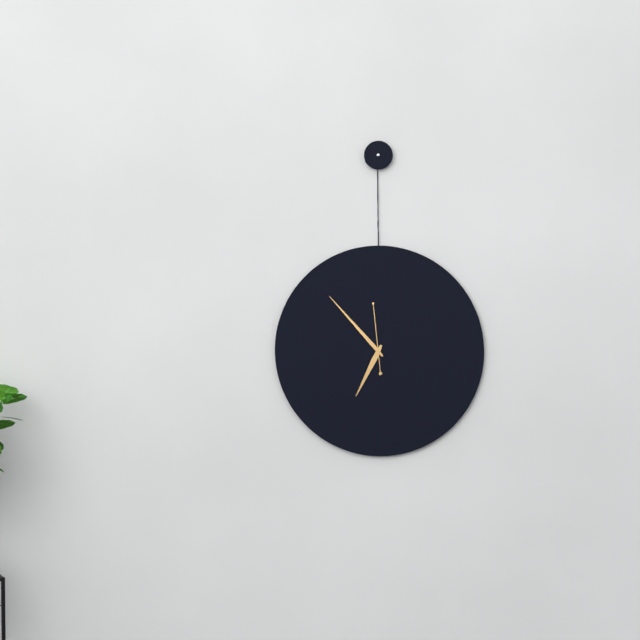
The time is 6:53:59
